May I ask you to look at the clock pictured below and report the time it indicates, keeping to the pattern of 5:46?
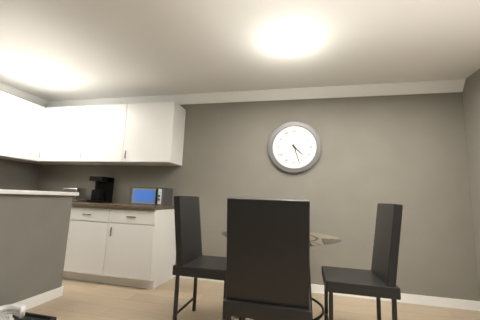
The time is 4:27
